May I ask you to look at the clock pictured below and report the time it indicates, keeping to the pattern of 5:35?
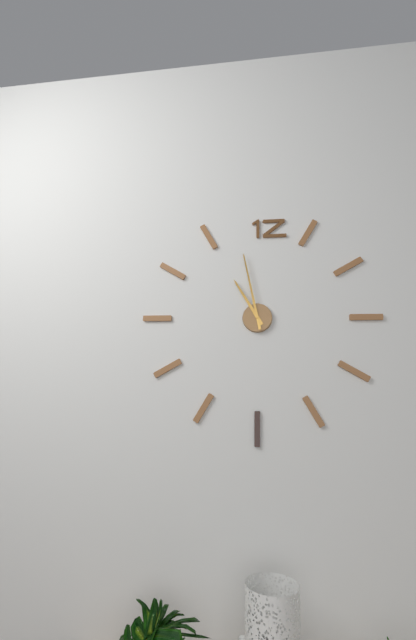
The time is 10:58
